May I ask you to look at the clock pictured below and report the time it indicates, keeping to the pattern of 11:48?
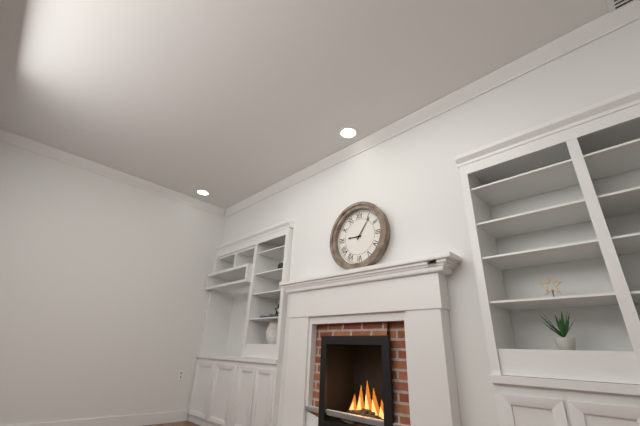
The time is 9:06
